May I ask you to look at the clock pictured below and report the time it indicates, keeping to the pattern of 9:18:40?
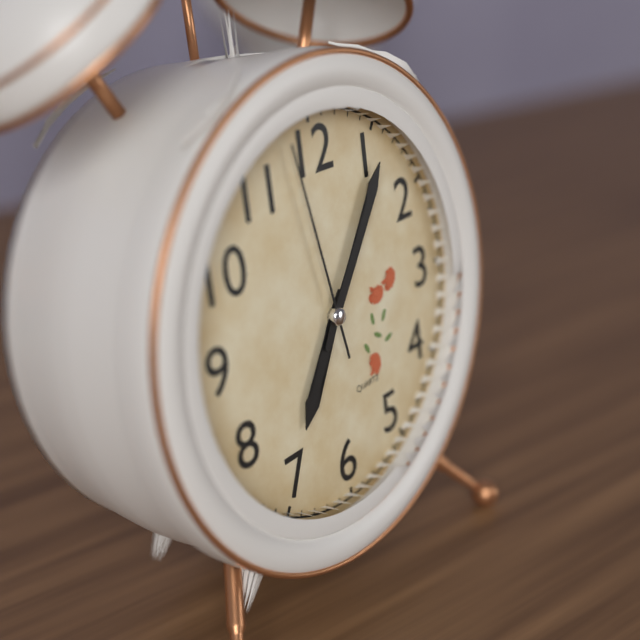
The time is 7:06:58
